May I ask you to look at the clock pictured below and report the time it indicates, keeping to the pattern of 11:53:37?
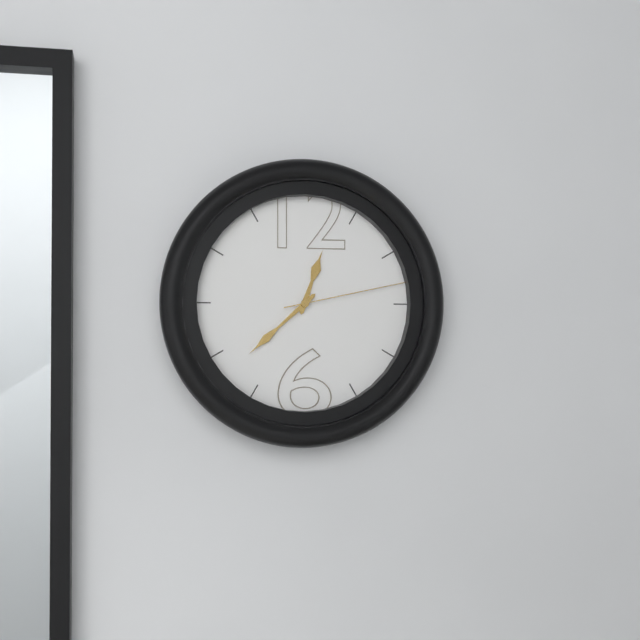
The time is 12:38:13
